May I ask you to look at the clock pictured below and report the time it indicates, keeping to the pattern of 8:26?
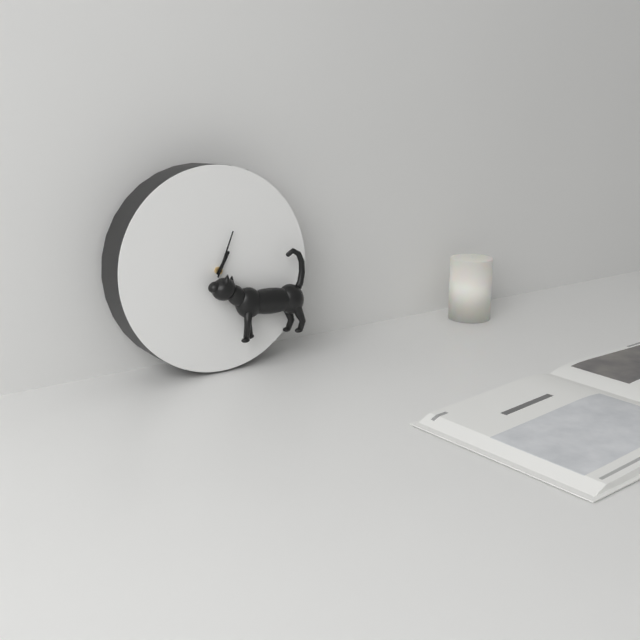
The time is 1:04
